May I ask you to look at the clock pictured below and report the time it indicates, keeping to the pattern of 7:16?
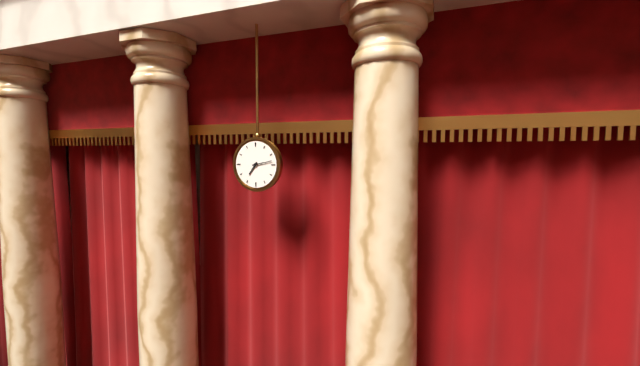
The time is 7:13
